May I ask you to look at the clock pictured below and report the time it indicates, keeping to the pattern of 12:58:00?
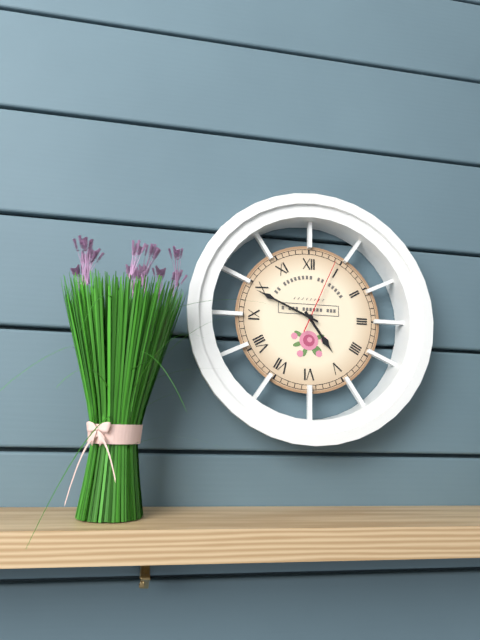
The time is 4:49:04
